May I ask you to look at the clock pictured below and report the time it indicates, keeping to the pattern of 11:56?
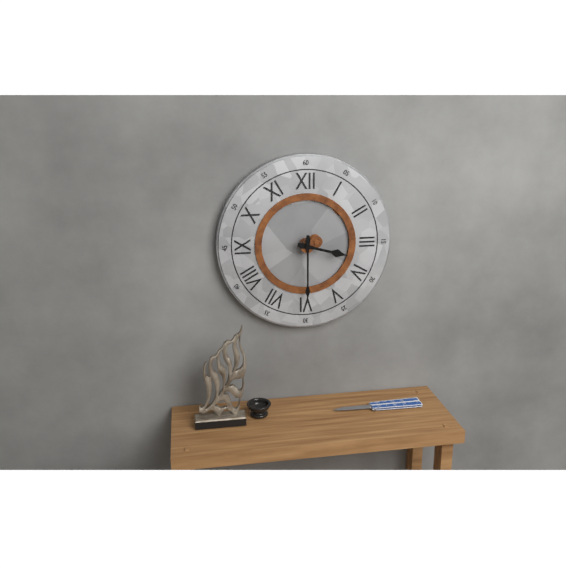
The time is 3:30
